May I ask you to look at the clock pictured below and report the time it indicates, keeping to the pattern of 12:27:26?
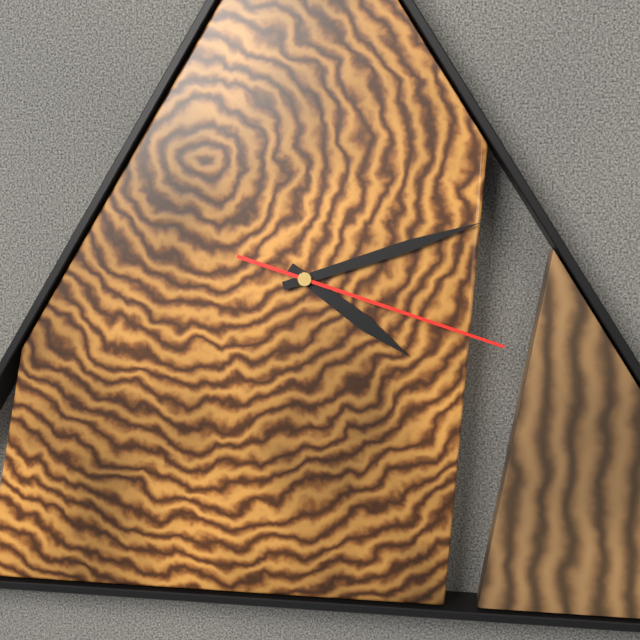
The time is 4:12:18
